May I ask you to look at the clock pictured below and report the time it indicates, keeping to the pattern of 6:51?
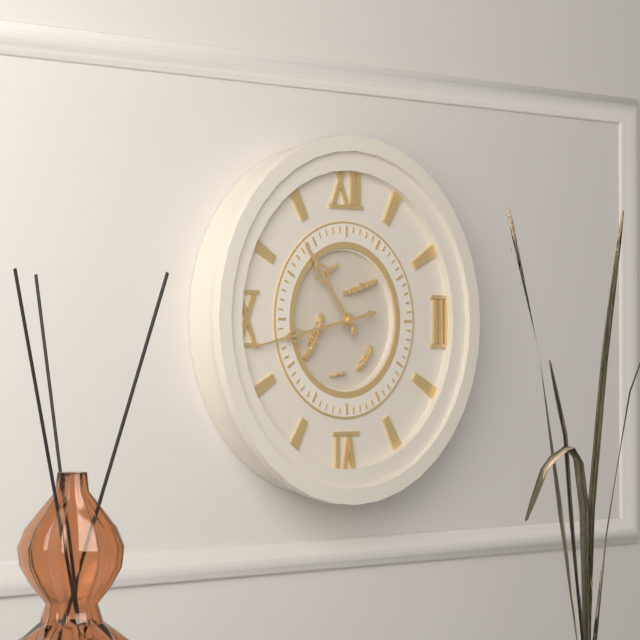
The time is 10:43
